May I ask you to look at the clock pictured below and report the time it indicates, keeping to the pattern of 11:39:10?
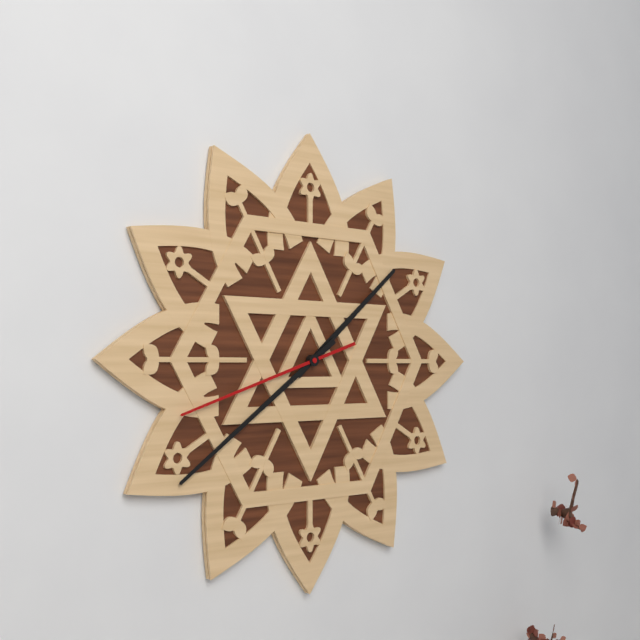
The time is 1:39:42
